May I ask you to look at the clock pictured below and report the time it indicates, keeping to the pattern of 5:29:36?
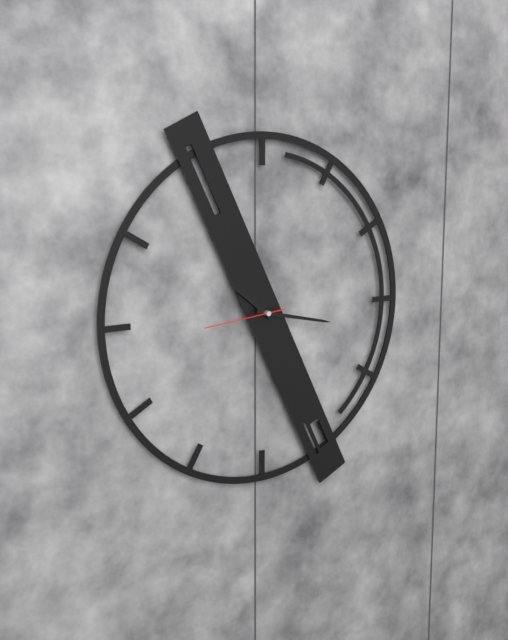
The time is 10:17:44
